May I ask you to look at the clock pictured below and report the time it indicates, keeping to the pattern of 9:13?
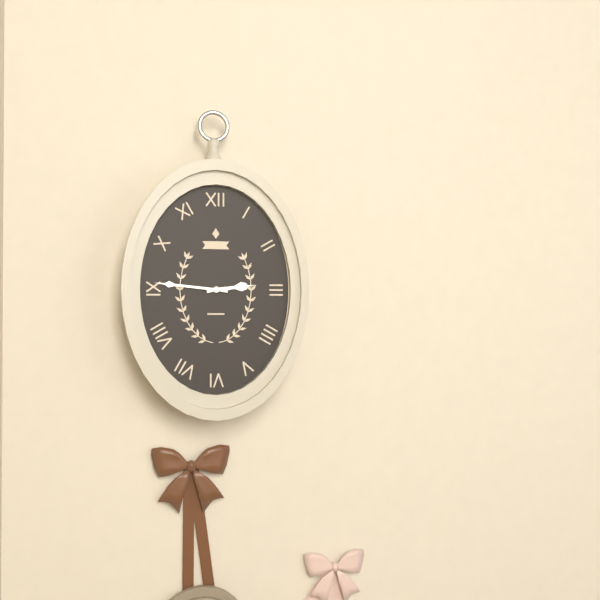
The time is 2:46
